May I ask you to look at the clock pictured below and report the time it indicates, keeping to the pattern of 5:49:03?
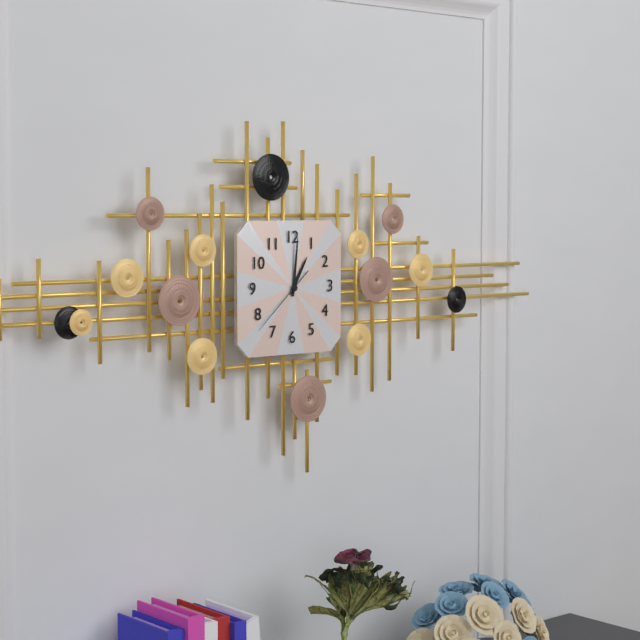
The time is 1:01:38
